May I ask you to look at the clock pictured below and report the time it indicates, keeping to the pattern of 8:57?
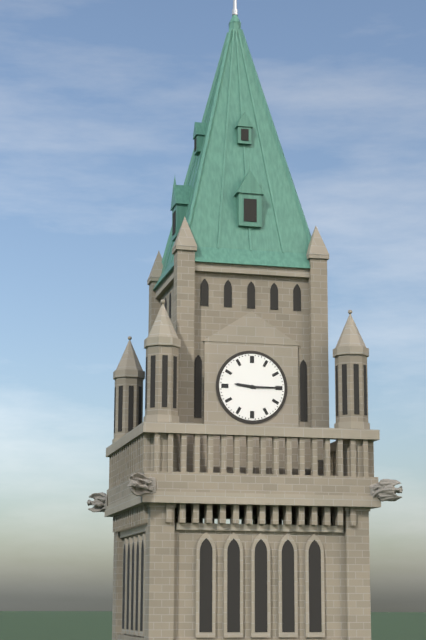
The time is 9:15
